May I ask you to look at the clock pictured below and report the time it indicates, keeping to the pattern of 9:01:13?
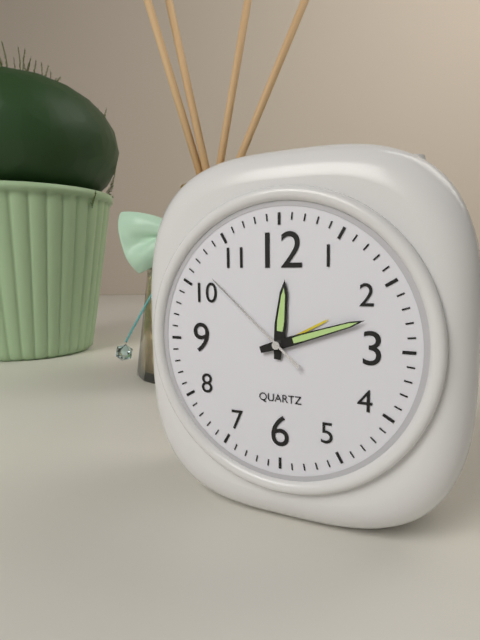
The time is 12:12:52
